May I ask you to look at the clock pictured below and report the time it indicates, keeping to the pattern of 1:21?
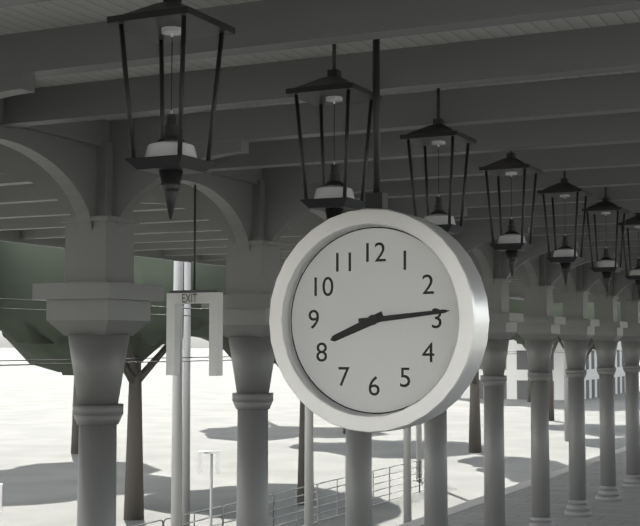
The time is 8:14
